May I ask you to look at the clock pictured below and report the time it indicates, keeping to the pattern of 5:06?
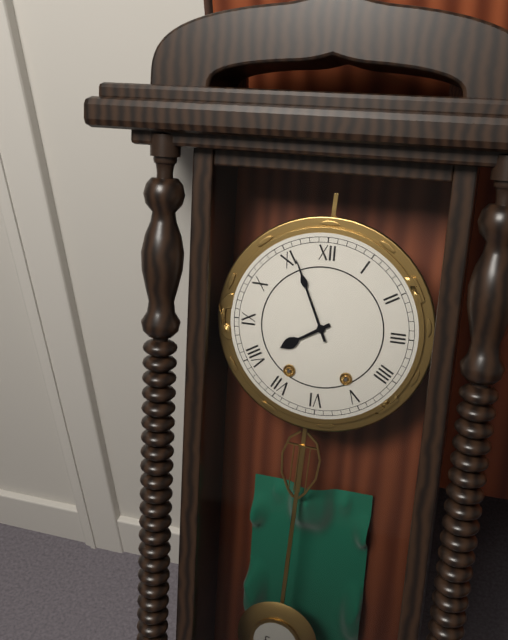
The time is 7:56
